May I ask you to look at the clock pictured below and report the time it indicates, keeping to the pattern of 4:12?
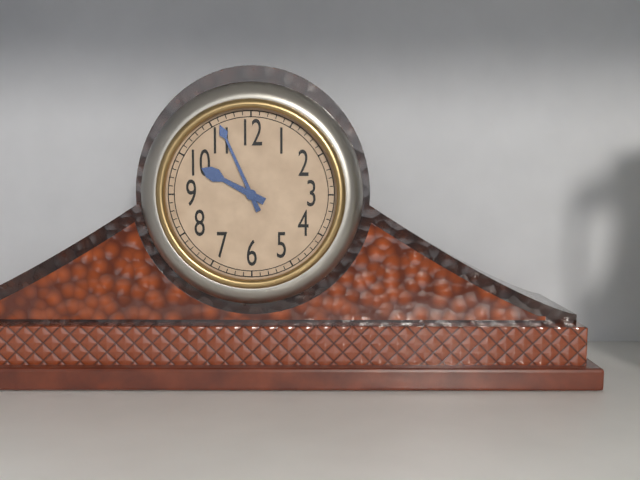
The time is 9:56
